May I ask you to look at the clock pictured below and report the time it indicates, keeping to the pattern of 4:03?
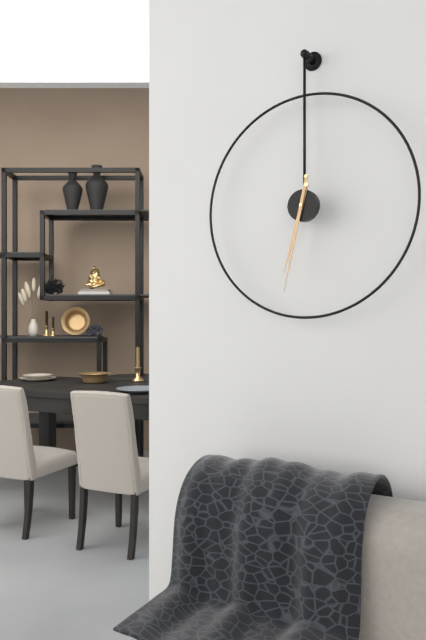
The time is 6:32
